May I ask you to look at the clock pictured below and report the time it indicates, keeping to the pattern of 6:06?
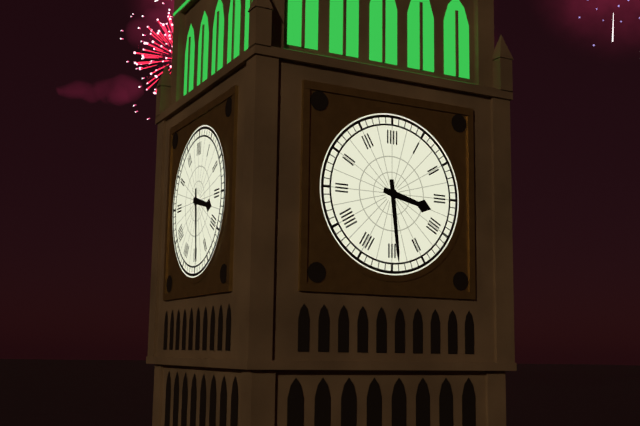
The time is 3:29
